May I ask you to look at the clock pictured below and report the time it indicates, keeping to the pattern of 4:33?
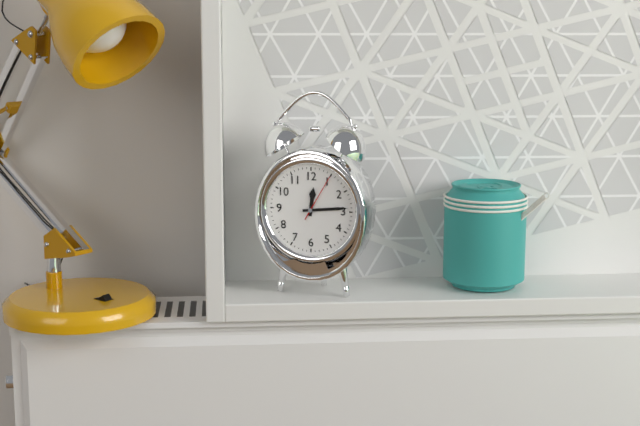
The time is 12:14
